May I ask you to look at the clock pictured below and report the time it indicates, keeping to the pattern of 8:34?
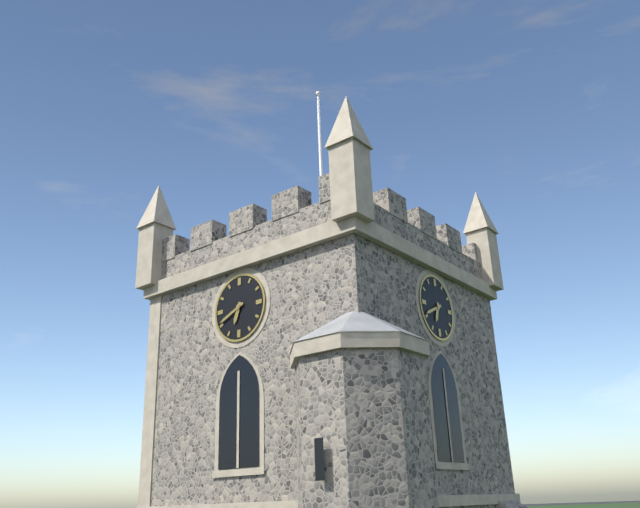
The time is 6:41
